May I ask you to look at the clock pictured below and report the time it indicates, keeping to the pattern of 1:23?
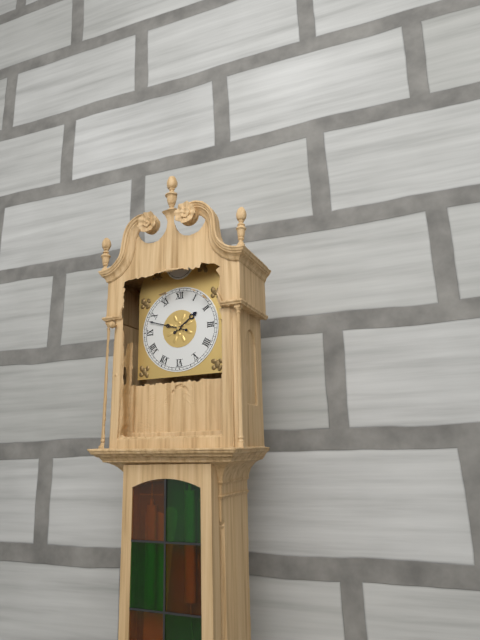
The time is 1:48
